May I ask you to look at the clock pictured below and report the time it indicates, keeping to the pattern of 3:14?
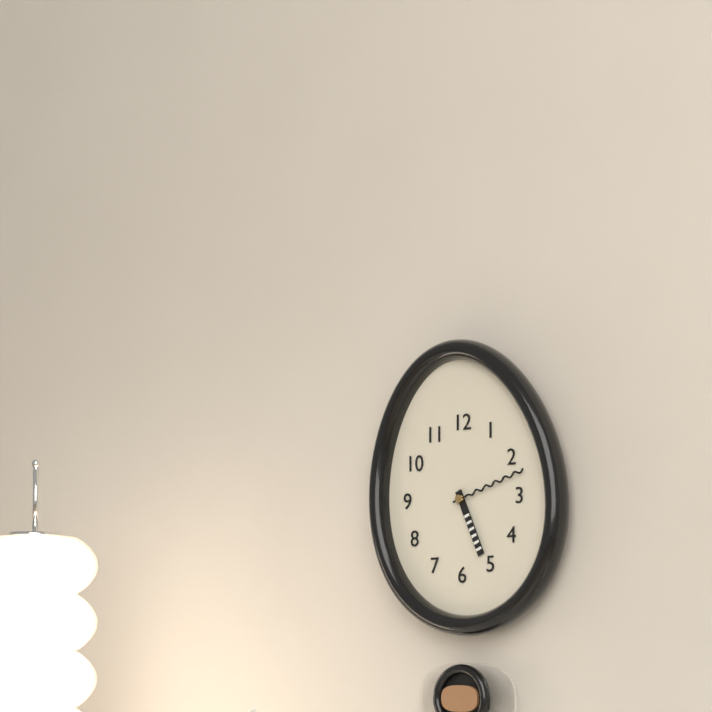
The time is 5:12
